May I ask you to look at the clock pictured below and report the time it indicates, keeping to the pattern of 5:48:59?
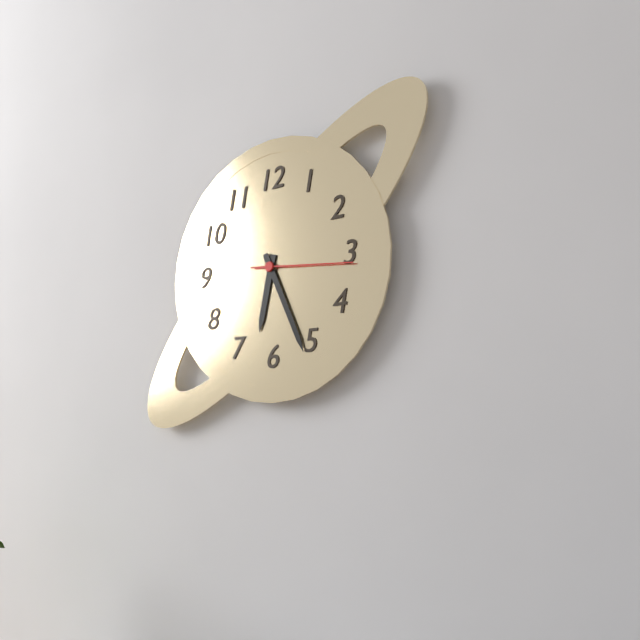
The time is 6:26:16
